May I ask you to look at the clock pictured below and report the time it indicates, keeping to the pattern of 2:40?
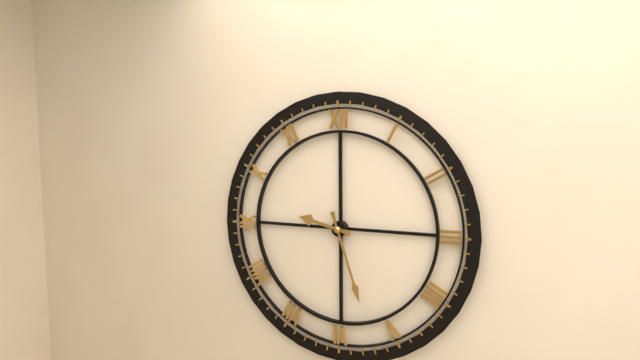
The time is 9:27
